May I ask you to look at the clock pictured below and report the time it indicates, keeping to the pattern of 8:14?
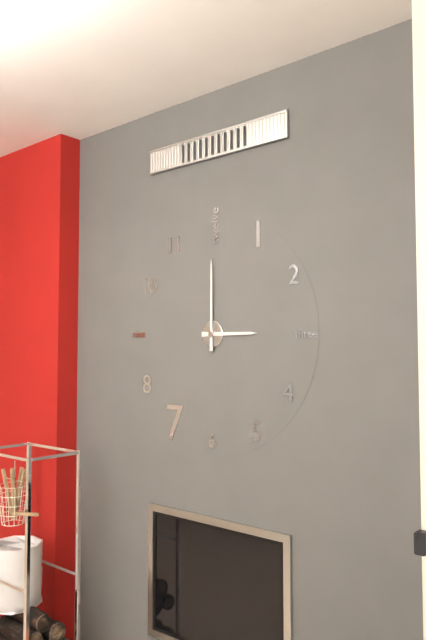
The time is 3:00
